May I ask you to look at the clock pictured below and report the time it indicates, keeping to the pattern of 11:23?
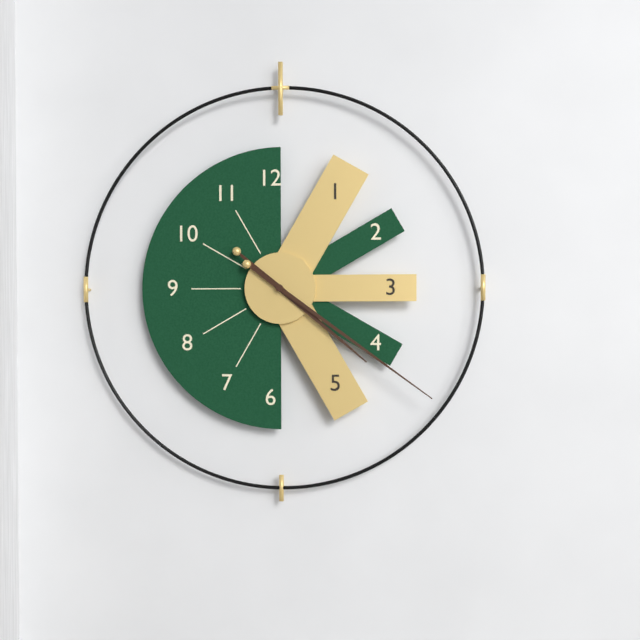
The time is 4:21
